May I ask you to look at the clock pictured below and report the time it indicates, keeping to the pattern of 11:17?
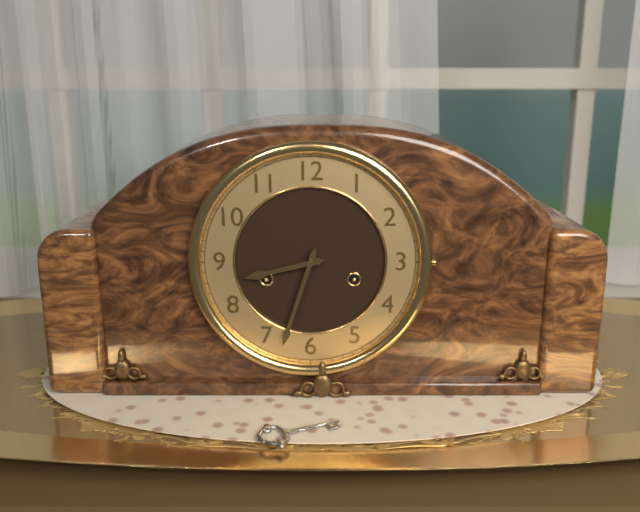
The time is 8:33
